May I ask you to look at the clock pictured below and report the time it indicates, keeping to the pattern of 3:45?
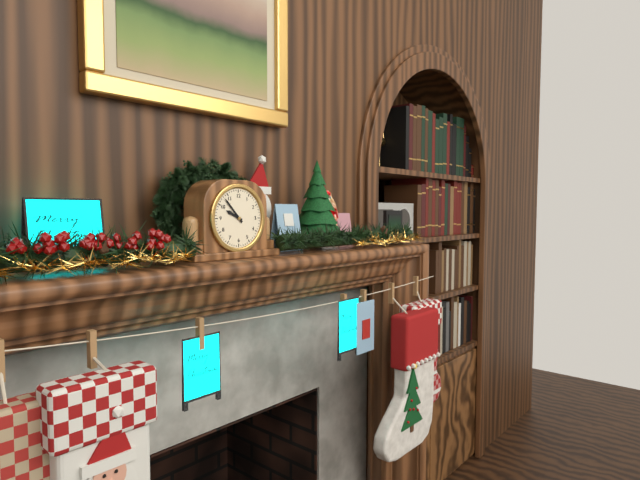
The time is 9:53
